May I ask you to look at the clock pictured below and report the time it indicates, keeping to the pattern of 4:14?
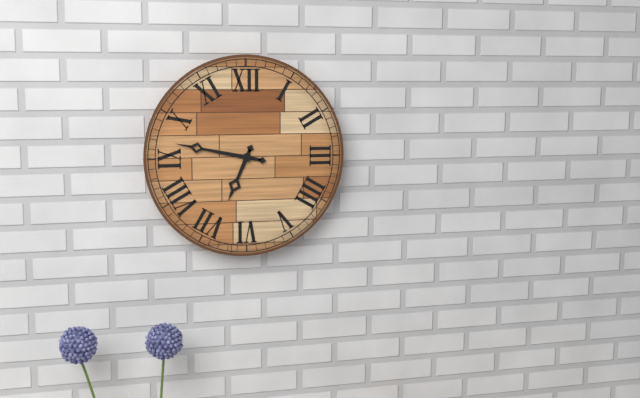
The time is 6:47
